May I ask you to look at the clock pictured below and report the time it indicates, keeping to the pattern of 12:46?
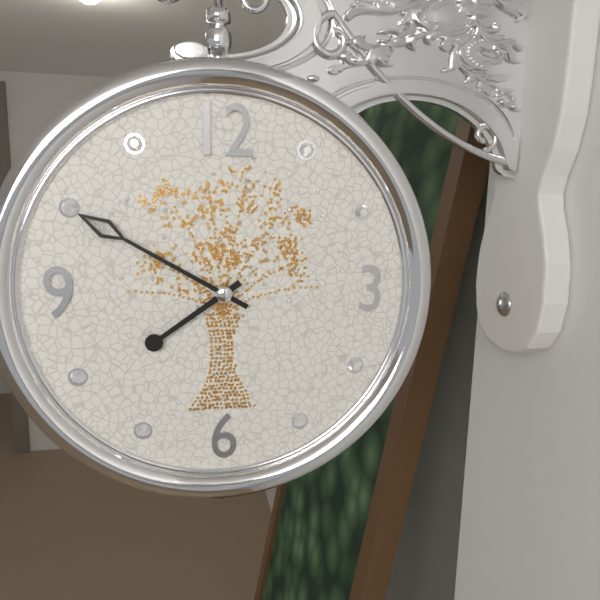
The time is 7:50
